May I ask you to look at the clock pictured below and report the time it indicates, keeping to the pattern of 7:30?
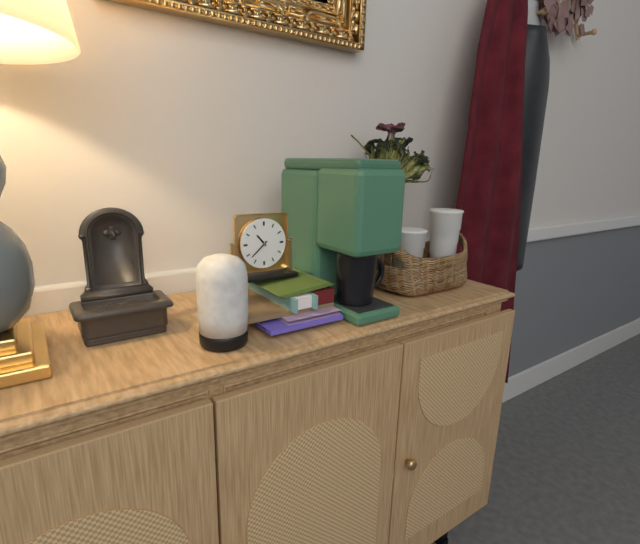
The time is 10:38
